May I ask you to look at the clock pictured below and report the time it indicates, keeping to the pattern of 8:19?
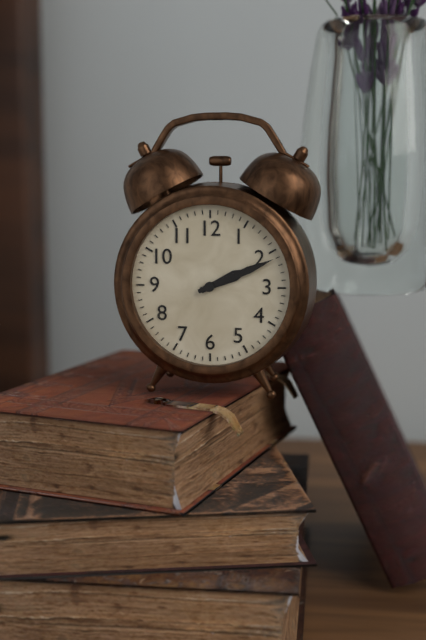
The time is 2:11
